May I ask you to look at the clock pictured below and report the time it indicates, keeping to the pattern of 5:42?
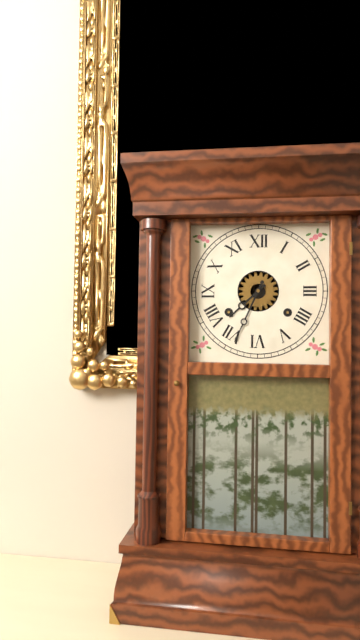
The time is 7:34
